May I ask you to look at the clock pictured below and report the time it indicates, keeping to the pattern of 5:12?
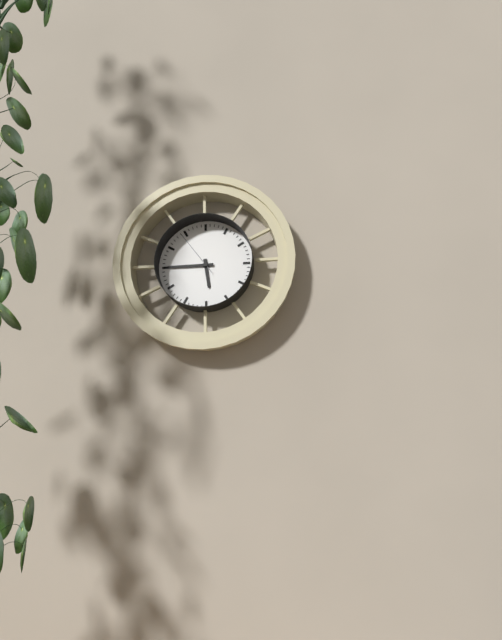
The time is 5:45
